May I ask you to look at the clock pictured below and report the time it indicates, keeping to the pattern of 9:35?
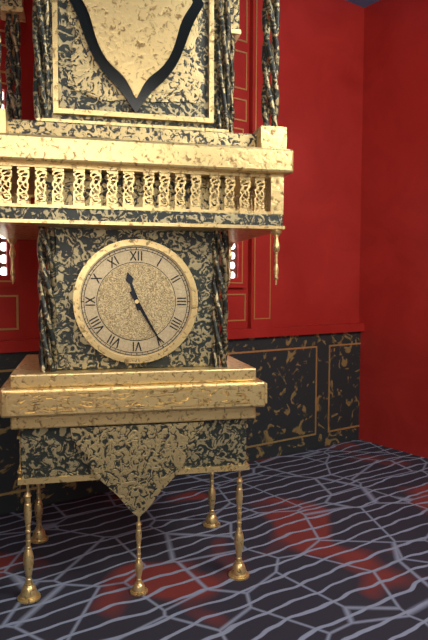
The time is 11:25
